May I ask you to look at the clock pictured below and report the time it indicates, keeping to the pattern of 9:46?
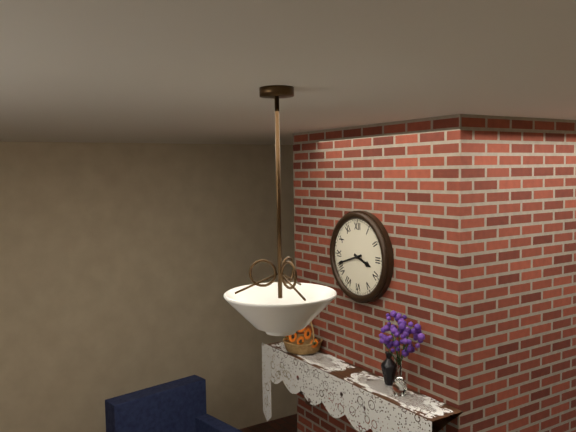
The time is 3:42
